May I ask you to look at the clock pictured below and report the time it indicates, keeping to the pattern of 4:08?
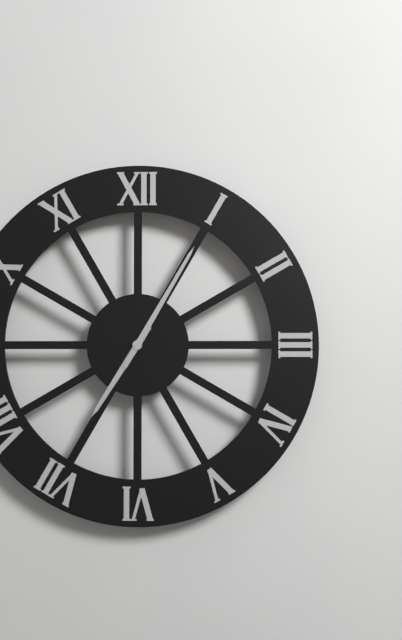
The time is 7:05
